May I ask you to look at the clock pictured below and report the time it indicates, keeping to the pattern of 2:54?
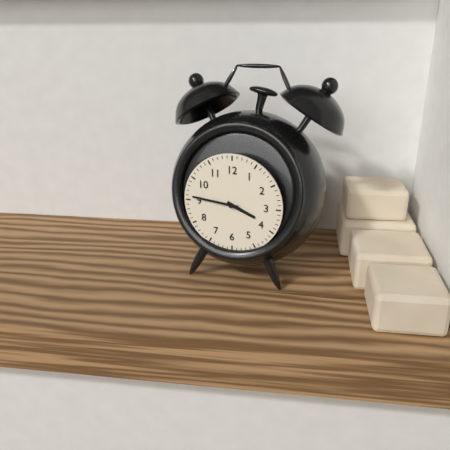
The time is 3:46
